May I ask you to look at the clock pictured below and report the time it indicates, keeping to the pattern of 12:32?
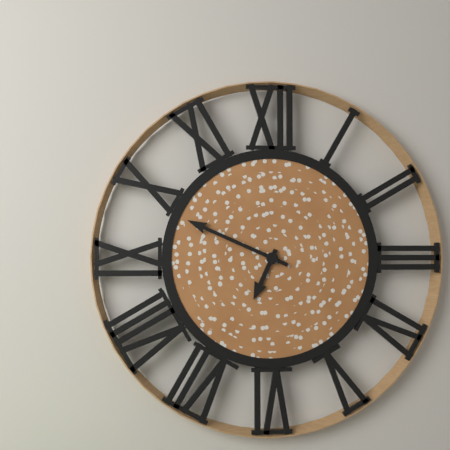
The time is 6:49
